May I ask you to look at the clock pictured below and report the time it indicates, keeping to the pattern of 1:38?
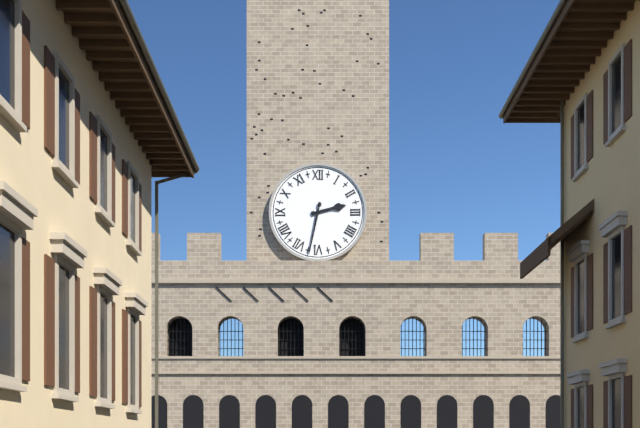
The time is 2:32
